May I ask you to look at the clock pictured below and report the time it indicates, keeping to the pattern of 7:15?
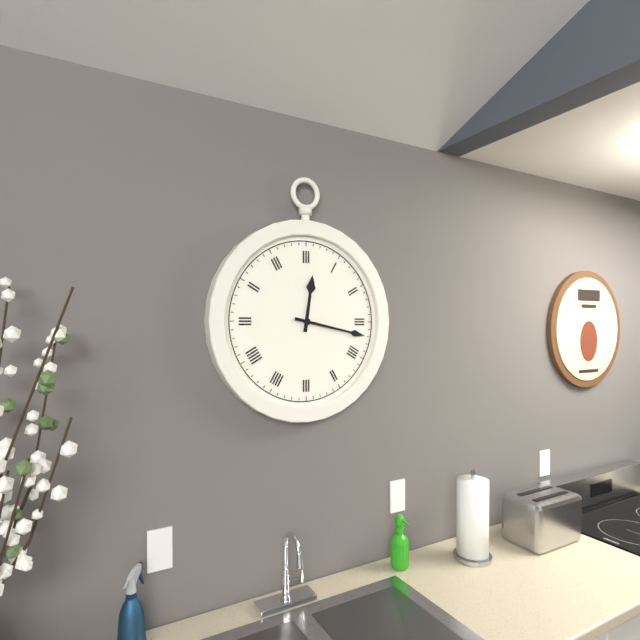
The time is 12:17
